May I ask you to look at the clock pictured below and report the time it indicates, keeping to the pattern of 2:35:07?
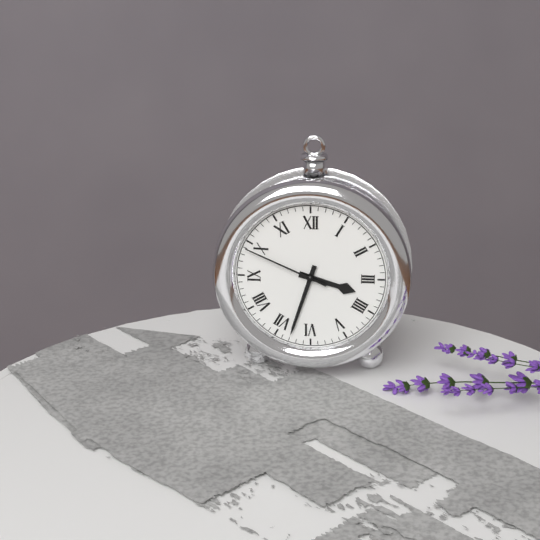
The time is 3:33:49
